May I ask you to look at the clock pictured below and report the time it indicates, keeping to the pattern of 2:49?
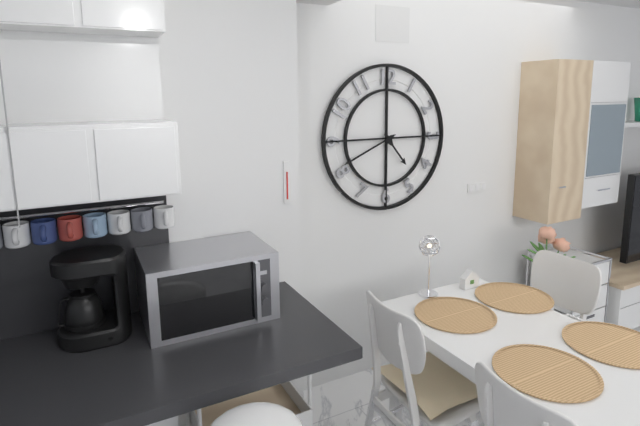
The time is 4:41
